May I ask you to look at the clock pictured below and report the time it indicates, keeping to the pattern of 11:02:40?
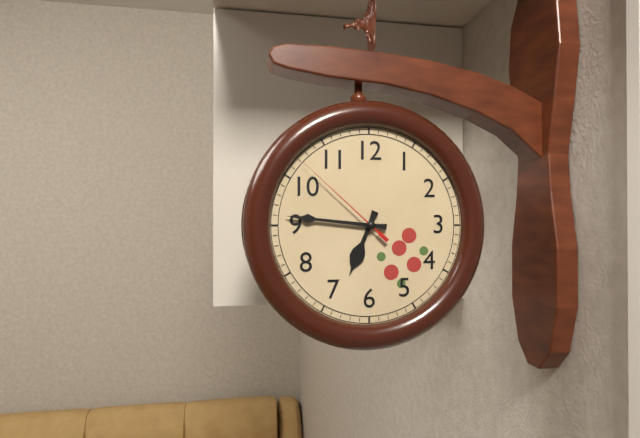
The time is 6:46:52
